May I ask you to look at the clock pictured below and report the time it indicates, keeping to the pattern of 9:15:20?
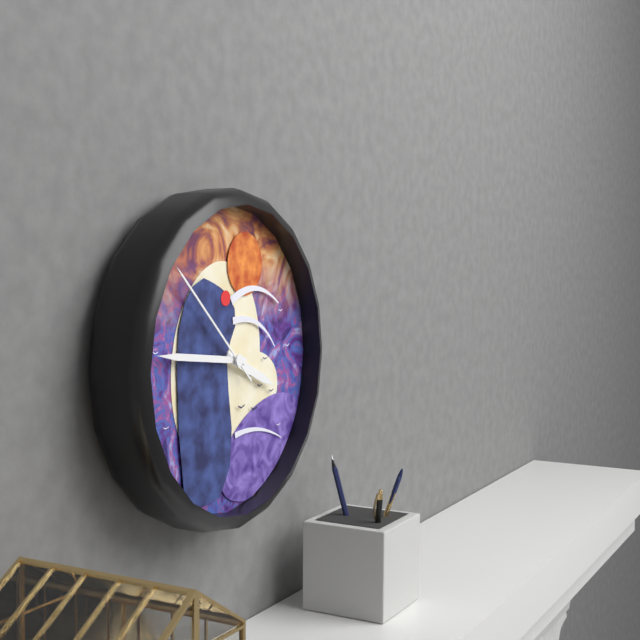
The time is 3:46:52
